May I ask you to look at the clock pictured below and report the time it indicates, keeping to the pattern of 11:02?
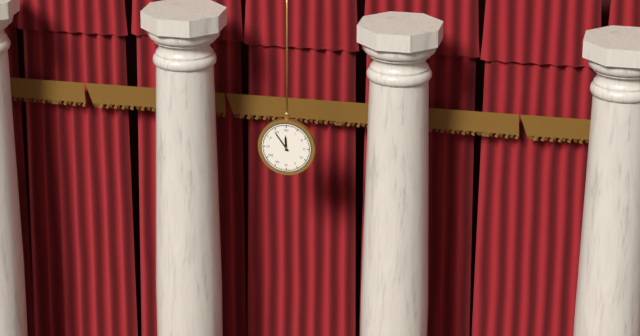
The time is 11:54
